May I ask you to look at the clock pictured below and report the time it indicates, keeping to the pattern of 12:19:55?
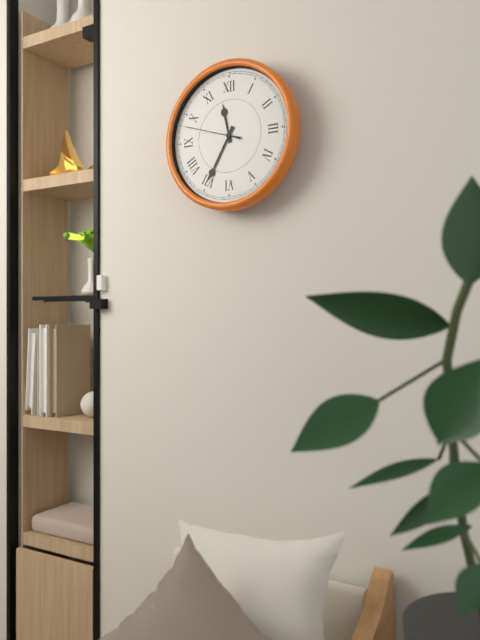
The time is 11:35:48
